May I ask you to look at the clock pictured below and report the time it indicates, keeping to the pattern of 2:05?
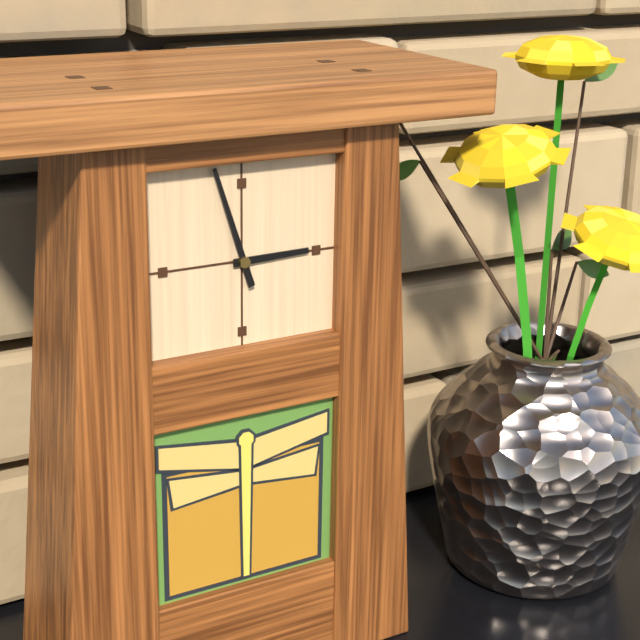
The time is 2:57
